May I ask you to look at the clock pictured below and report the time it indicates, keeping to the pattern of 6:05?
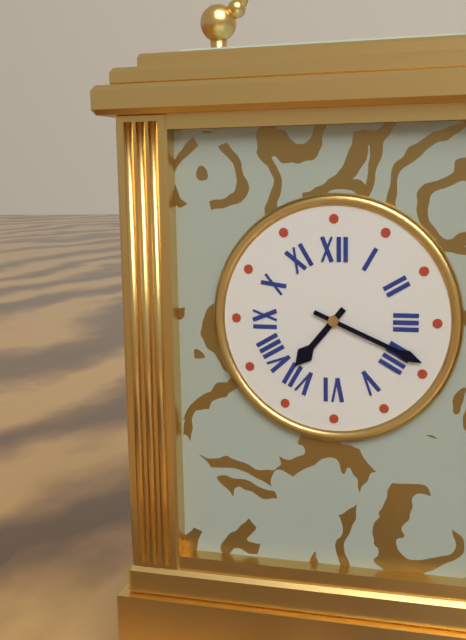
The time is 7:19
